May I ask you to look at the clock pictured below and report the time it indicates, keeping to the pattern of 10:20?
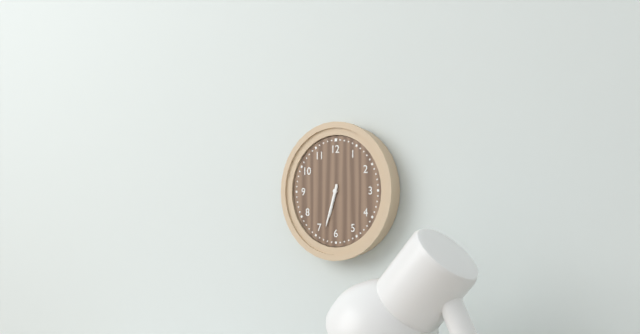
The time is 6:33
